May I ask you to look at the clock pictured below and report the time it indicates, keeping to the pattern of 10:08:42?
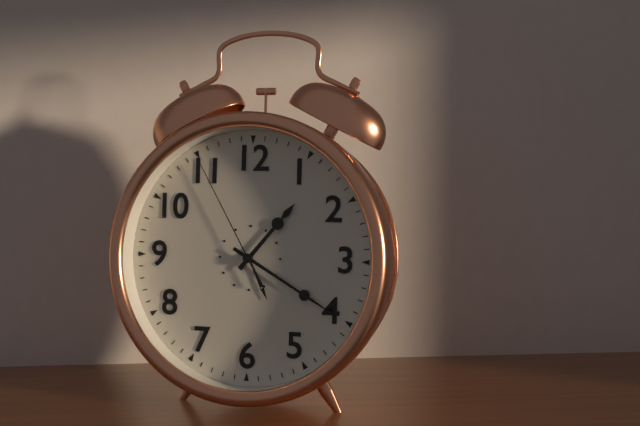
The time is 1:20:55
